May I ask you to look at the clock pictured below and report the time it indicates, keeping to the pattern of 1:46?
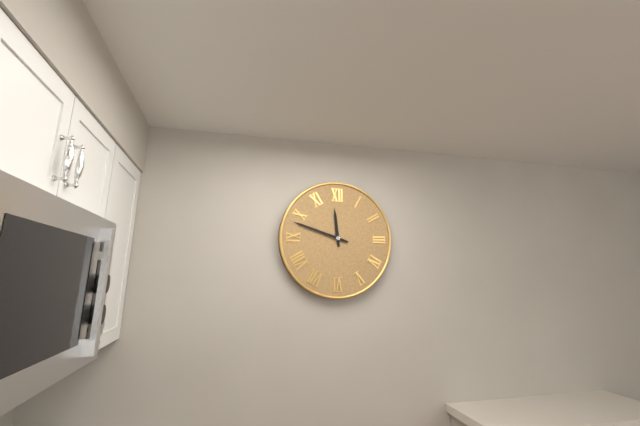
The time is 11:48
